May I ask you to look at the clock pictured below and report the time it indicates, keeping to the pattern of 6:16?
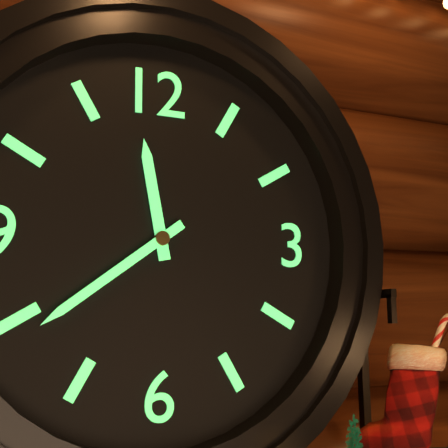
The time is 11:39
